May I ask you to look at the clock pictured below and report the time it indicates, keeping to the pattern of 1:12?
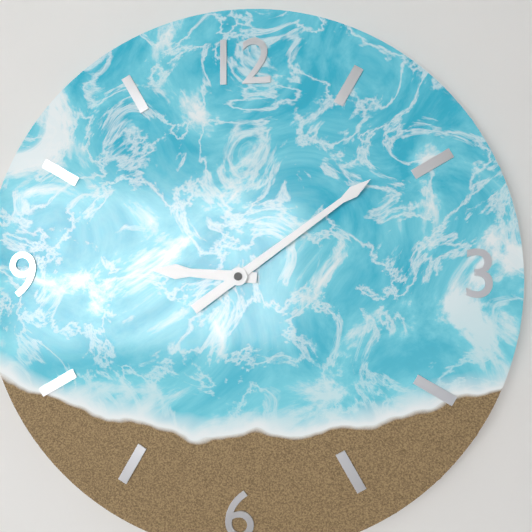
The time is 9:09
